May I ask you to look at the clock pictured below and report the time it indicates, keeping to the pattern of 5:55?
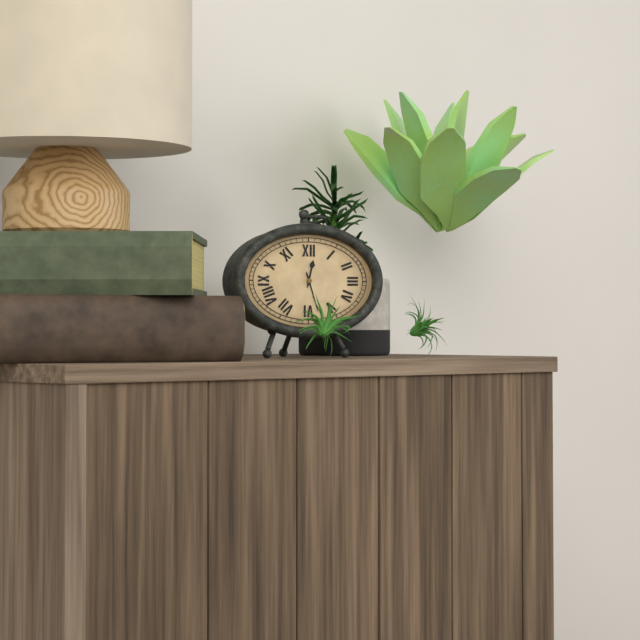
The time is 12:27
